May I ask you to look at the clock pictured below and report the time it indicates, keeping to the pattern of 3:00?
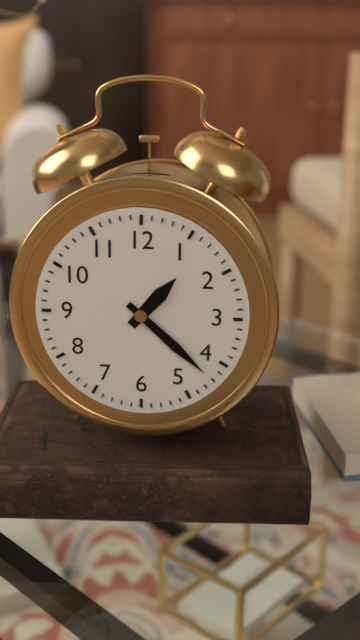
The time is 1:22
